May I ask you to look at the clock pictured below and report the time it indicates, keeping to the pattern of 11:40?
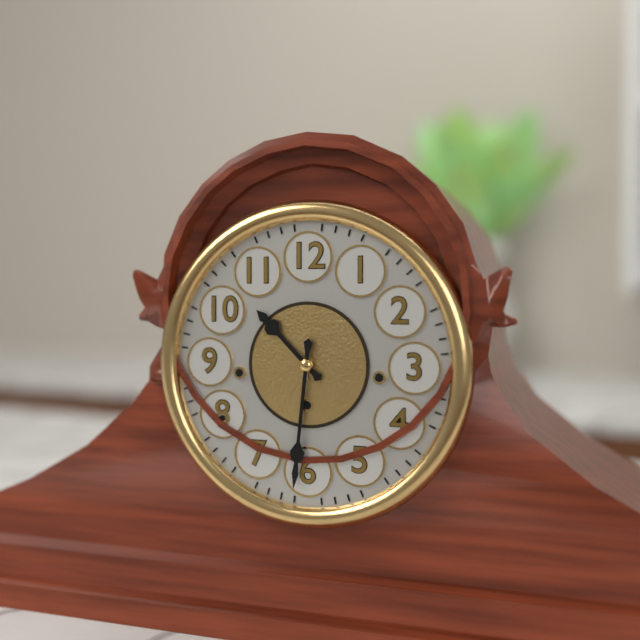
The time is 10:31
